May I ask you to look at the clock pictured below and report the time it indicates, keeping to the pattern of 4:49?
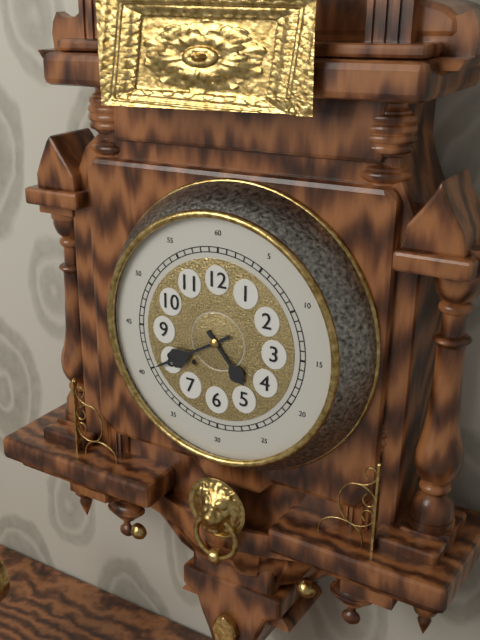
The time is 4:40
